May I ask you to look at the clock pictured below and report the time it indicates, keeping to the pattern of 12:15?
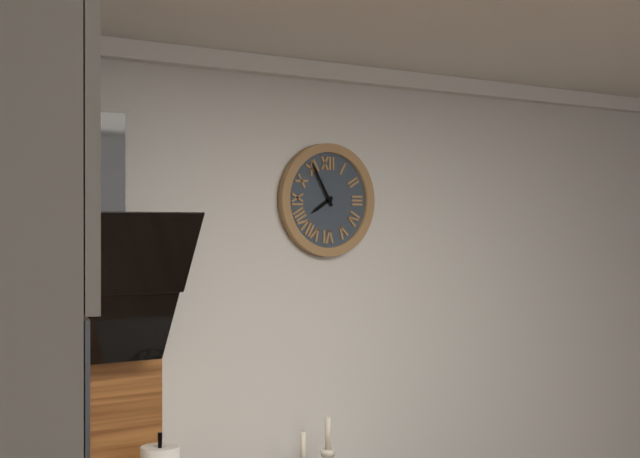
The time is 7:55
